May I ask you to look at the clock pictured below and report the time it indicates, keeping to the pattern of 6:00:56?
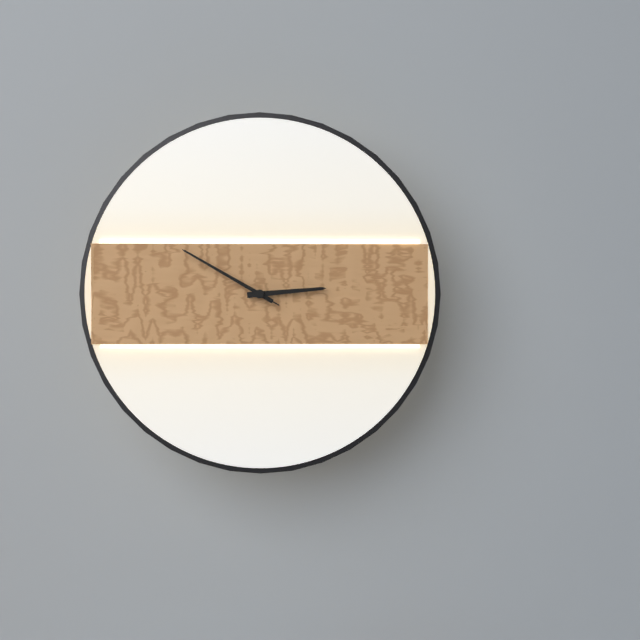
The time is 2:50:50
